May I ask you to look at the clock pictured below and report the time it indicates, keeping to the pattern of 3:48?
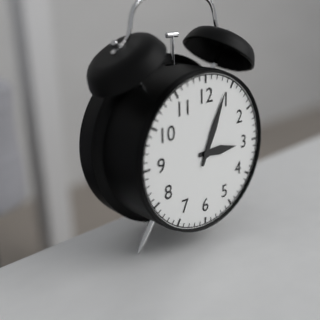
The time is 3:04
